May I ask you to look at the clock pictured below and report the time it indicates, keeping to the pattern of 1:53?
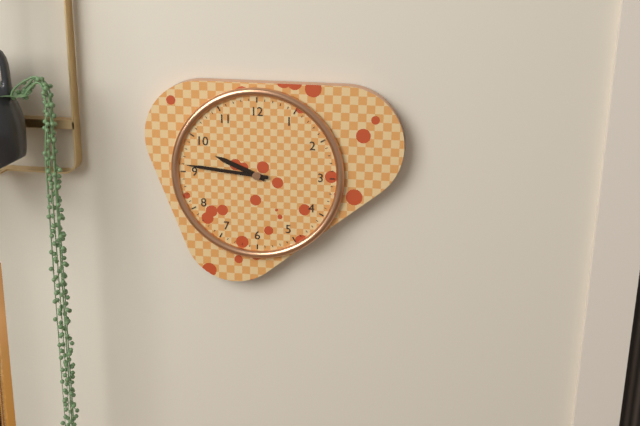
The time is 9:46
